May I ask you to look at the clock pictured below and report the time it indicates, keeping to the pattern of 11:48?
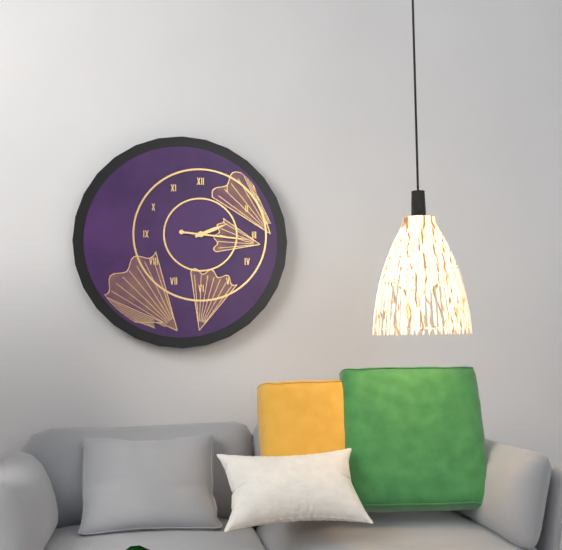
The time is 2:16
